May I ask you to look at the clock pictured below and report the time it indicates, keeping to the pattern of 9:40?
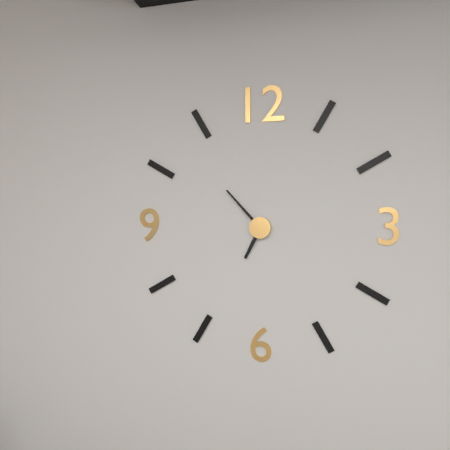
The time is 6:53
